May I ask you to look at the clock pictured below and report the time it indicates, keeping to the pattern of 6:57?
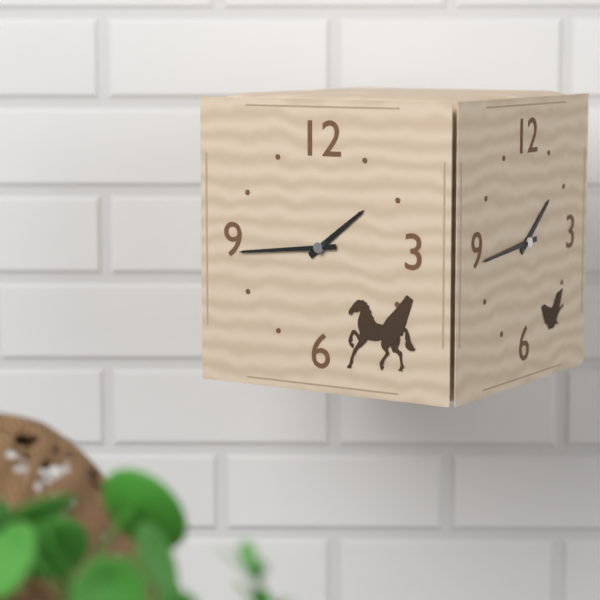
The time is 1:44
